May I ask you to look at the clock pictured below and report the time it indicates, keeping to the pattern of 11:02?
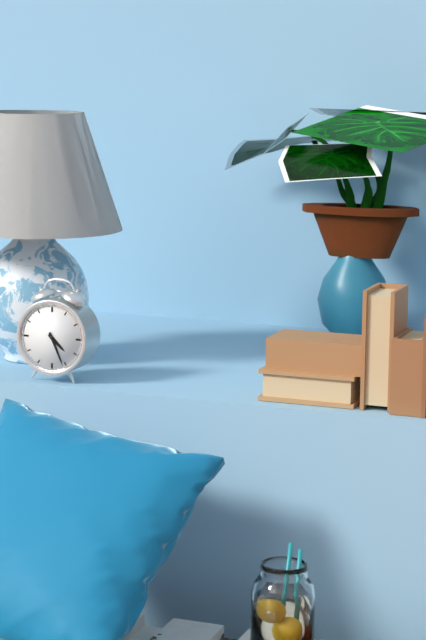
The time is 4:26
